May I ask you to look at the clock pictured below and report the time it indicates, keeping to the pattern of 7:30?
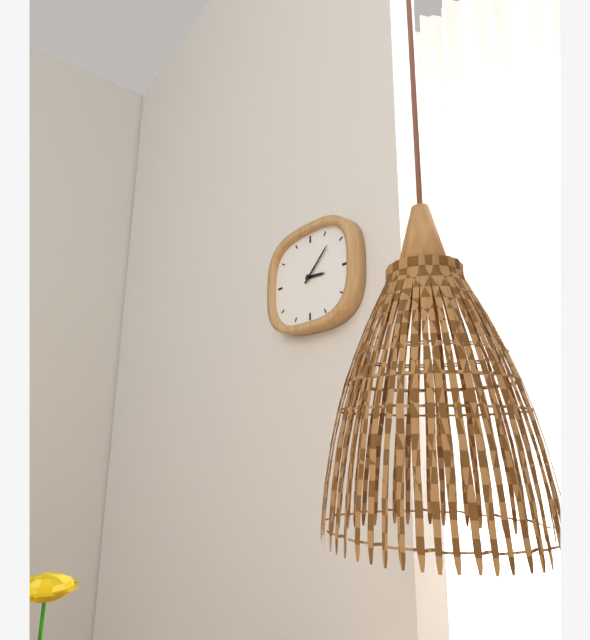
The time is 3:08
